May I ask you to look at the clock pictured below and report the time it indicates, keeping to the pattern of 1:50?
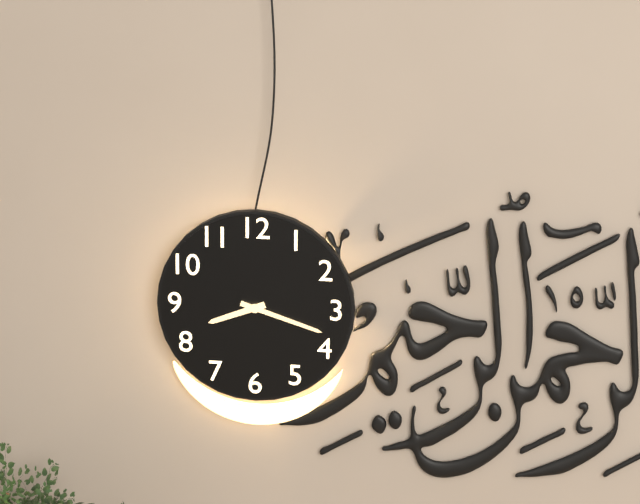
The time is 8:18
